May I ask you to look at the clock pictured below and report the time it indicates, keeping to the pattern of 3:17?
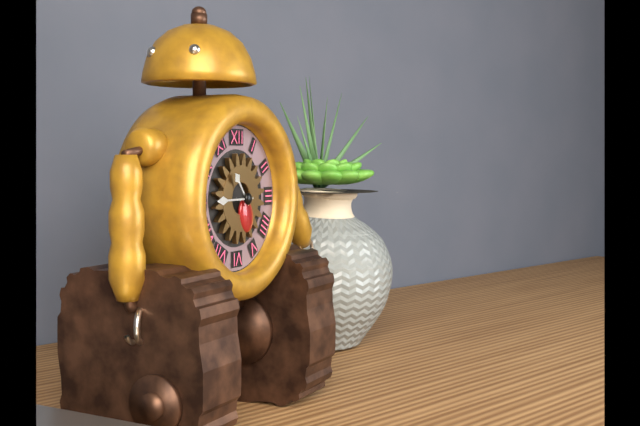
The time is 10:45
